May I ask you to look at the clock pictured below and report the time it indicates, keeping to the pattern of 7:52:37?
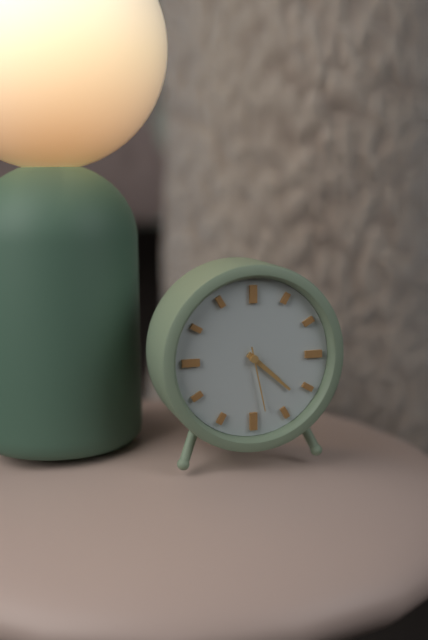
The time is 4:22:28
